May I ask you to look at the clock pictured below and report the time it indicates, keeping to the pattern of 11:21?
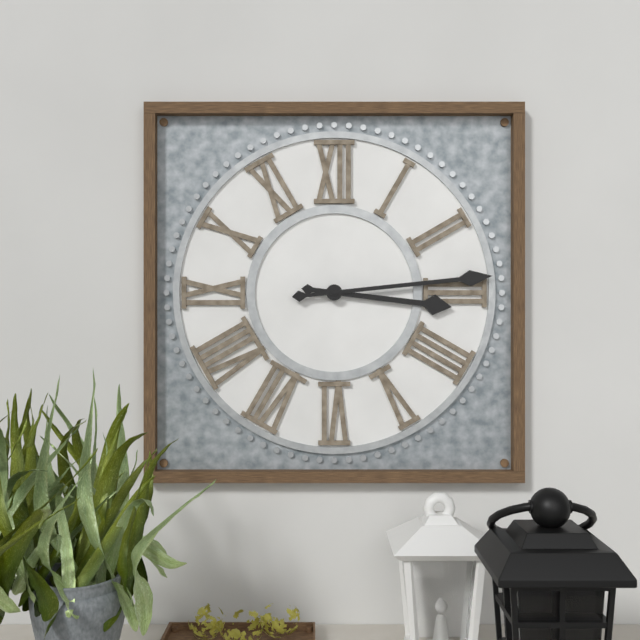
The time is 3:14
